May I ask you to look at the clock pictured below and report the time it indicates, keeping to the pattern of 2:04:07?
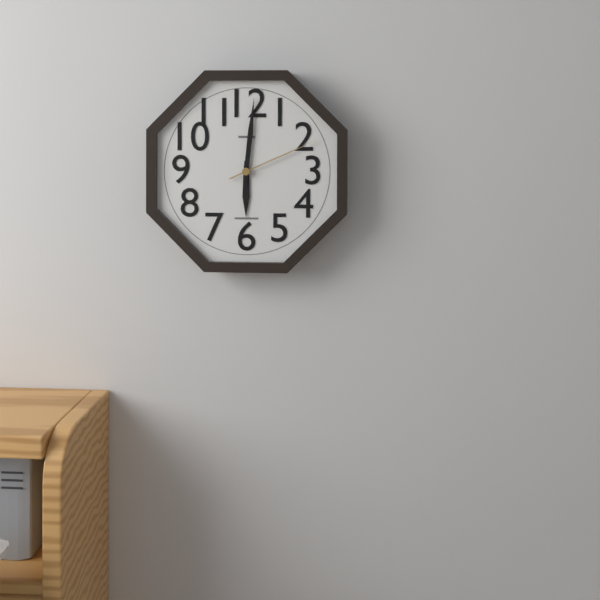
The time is 6:01:11
